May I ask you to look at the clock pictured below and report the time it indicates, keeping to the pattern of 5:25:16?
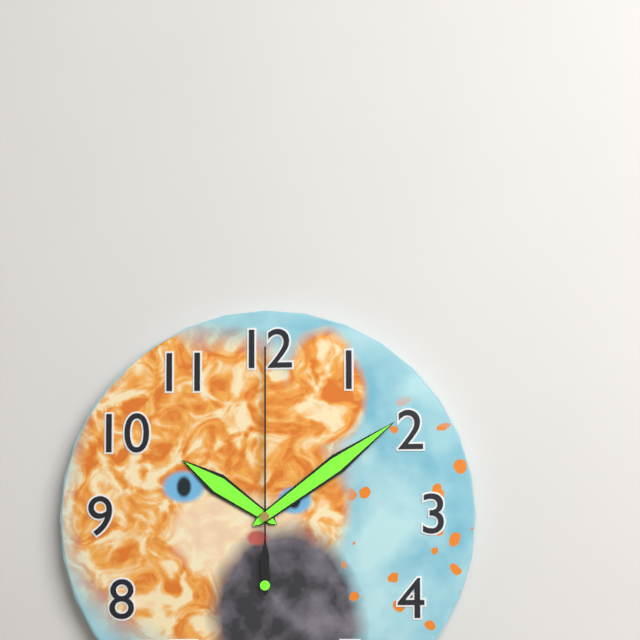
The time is 10:09:00
